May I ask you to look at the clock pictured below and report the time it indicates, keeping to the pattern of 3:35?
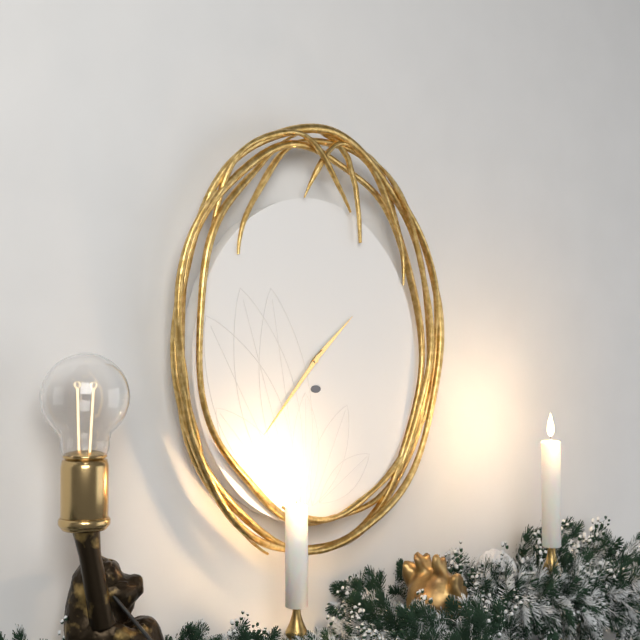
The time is 1:37
